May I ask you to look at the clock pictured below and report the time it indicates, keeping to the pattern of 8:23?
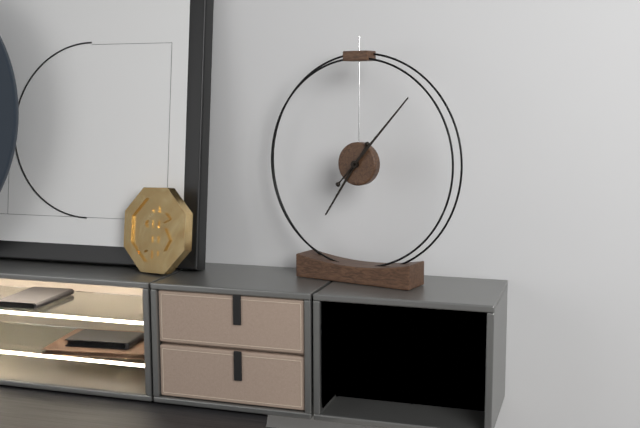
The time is 7:07
